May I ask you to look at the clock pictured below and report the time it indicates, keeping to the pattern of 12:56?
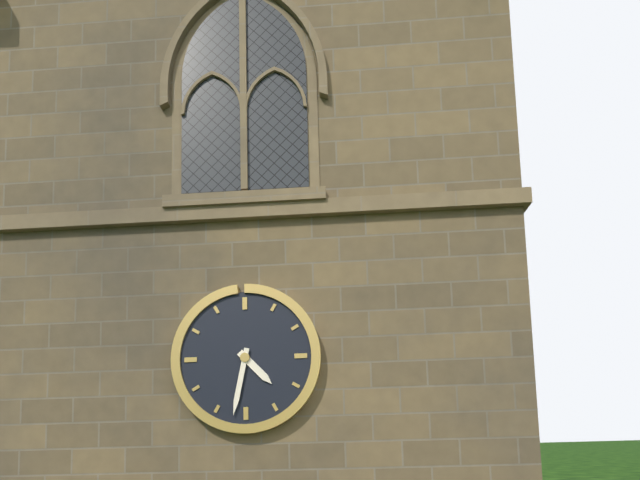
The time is 4:32
